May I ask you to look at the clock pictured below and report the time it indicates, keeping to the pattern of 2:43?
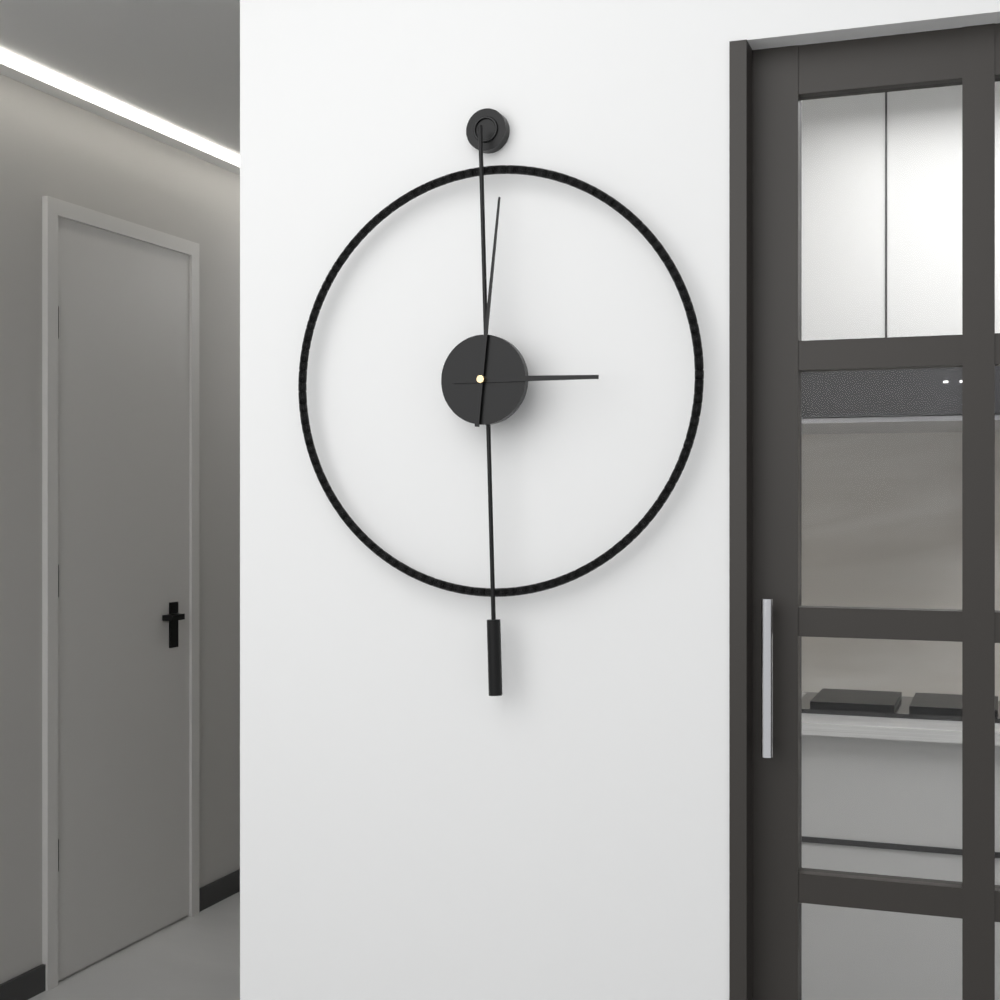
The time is 3:01
